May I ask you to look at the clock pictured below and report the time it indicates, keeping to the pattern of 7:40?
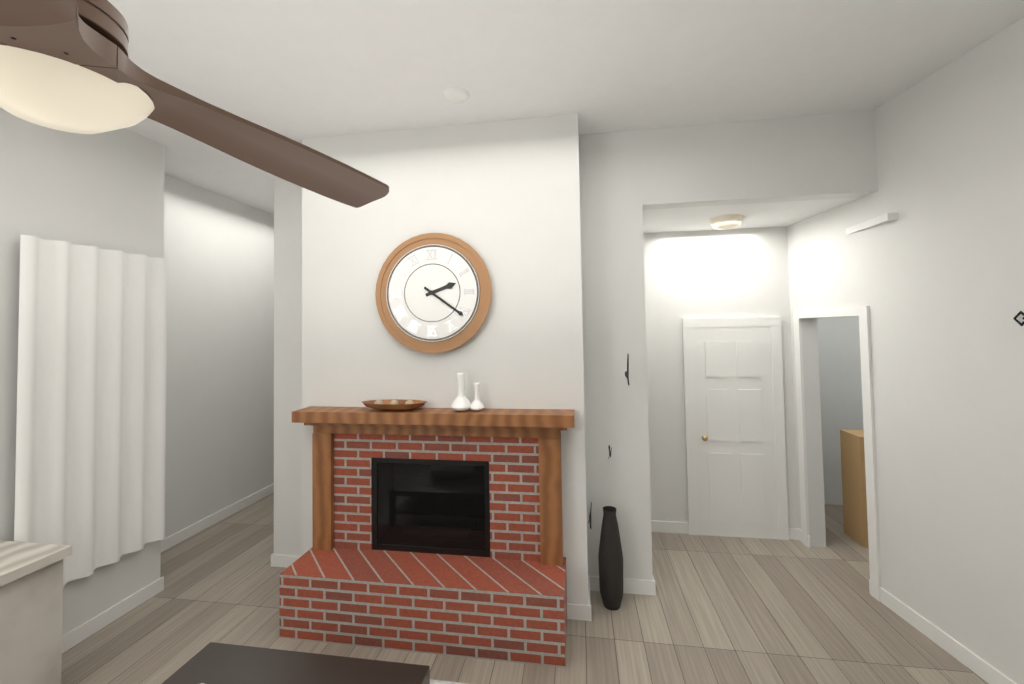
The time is 2:21
